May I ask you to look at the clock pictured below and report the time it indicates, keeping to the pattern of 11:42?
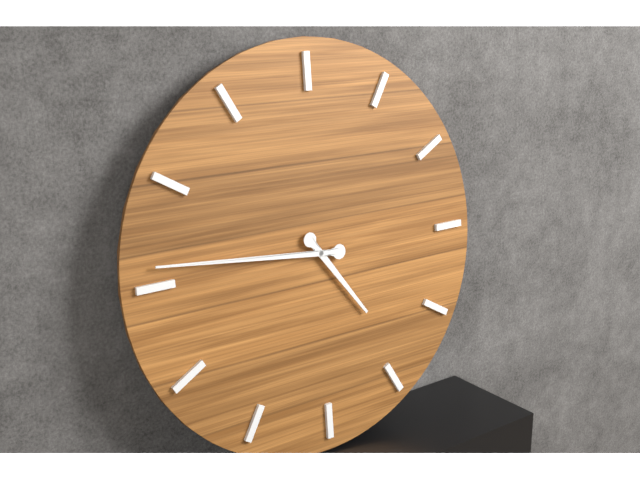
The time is 4:46
